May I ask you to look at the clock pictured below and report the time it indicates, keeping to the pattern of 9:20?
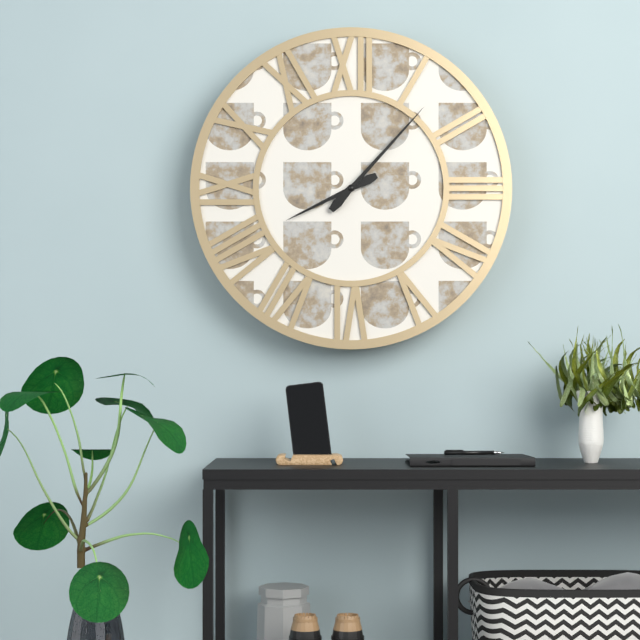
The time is 8:07
